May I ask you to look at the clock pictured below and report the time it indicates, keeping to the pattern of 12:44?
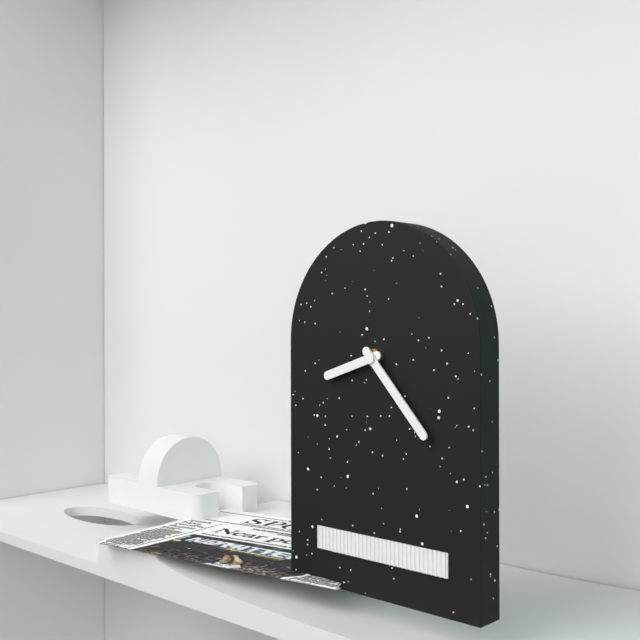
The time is 8:23
